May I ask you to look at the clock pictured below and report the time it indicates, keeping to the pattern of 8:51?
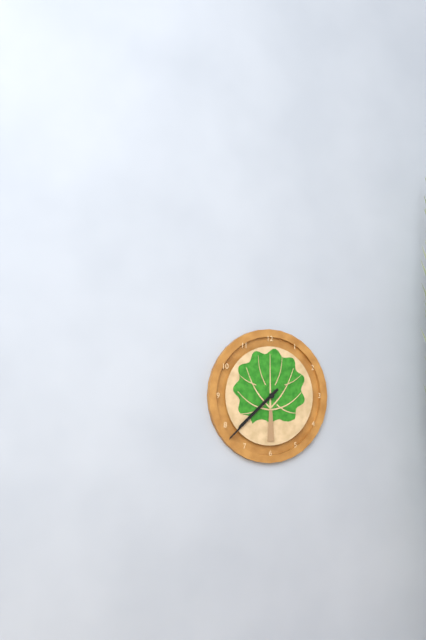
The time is 7:38
